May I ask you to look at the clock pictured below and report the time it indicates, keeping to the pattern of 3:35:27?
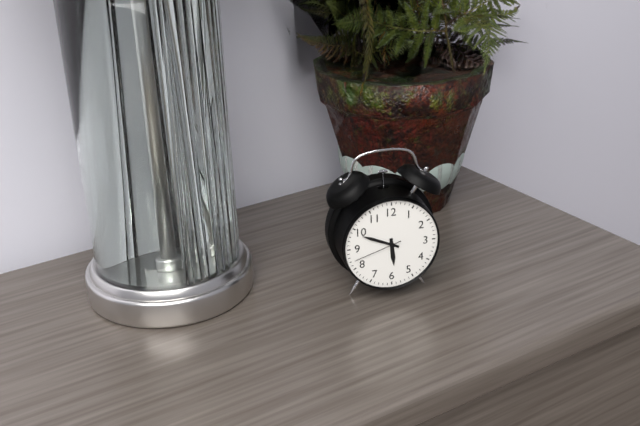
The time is 5:49:42
